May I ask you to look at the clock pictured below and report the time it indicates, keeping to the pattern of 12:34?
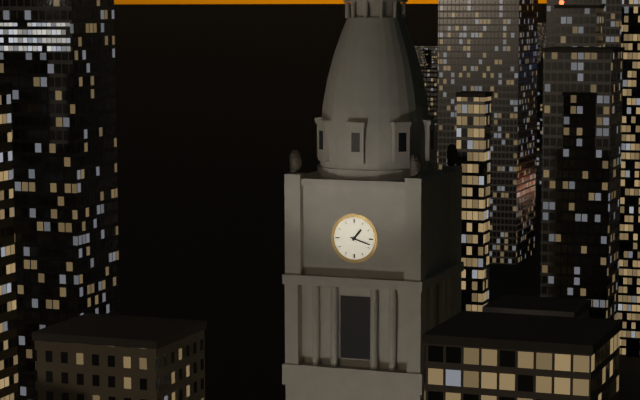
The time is 1:18
